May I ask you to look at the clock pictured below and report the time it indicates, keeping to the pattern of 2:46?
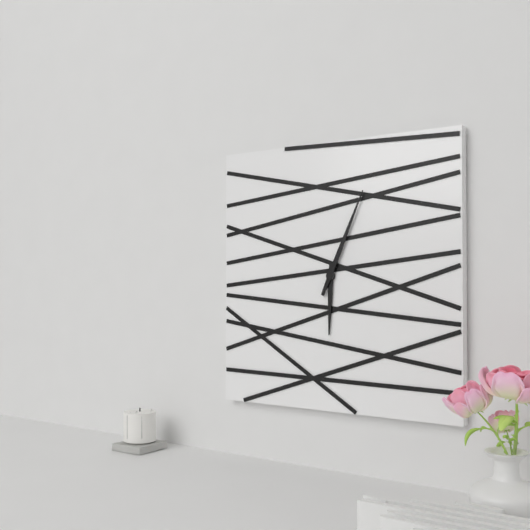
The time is 6:04
